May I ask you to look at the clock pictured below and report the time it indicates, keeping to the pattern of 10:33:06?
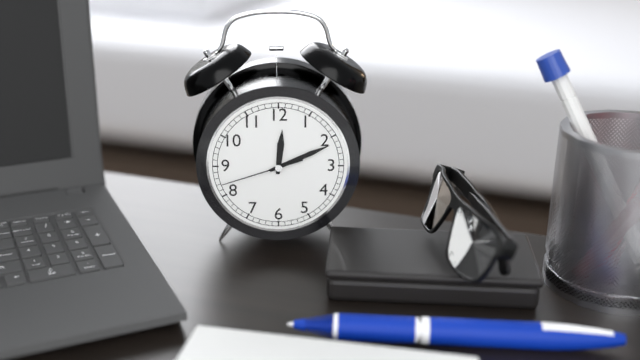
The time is 12:11:42
